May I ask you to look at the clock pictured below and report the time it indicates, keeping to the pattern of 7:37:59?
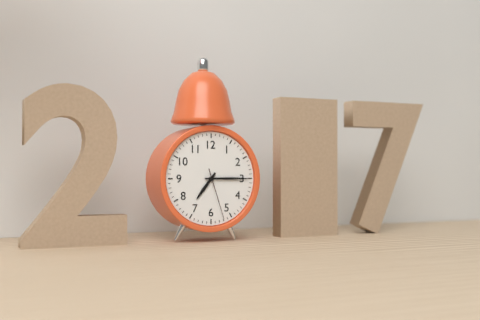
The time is 7:15:27
